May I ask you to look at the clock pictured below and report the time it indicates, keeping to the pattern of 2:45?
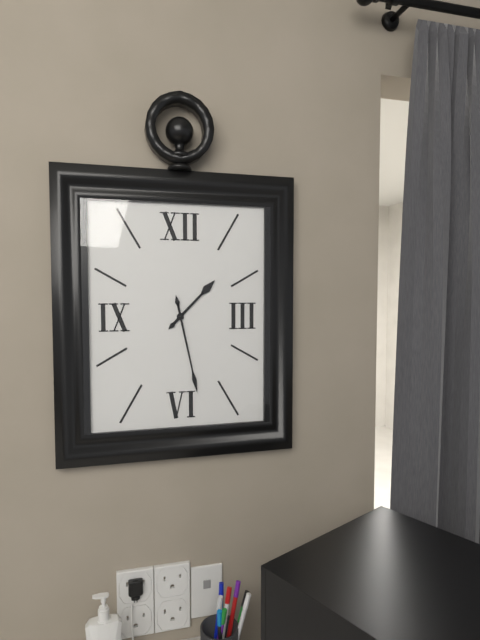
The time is 1:28
